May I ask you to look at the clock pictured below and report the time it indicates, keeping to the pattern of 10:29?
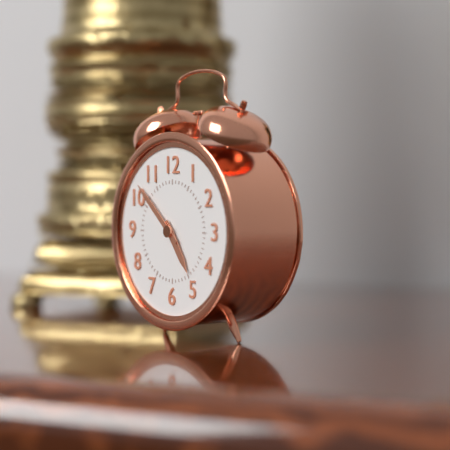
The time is 4:52
